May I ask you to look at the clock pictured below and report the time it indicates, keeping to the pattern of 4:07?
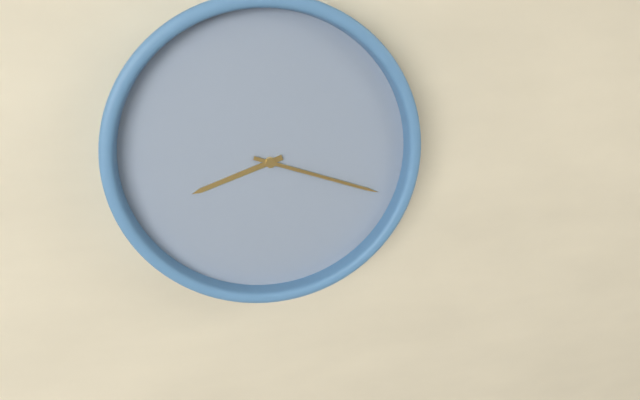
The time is 8:18
